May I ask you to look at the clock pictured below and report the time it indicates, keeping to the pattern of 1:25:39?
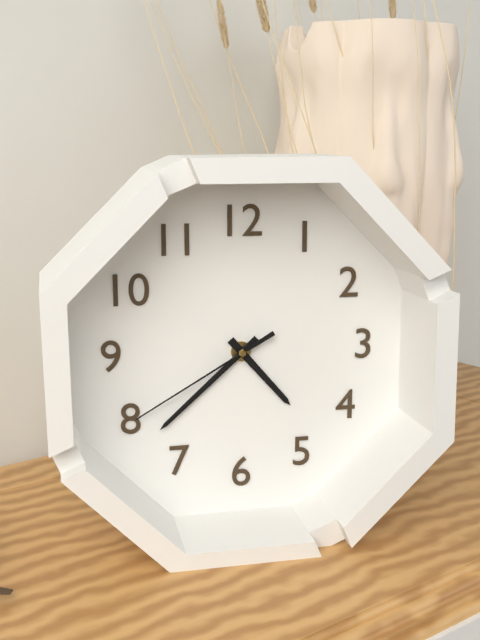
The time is 4:38:40
